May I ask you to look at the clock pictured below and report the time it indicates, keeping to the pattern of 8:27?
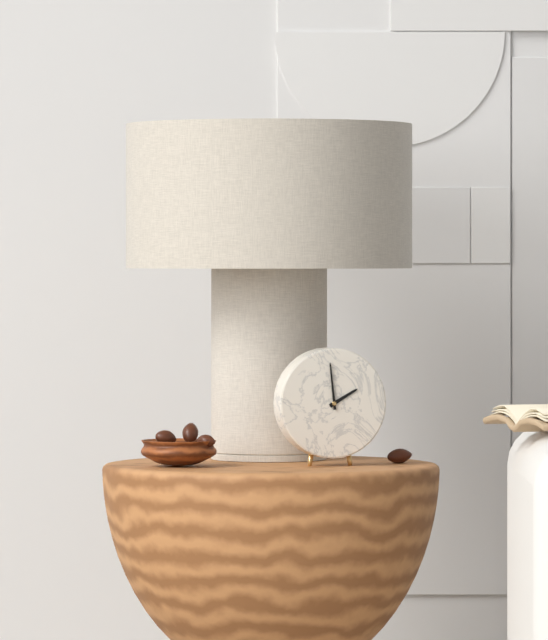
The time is 1:59
